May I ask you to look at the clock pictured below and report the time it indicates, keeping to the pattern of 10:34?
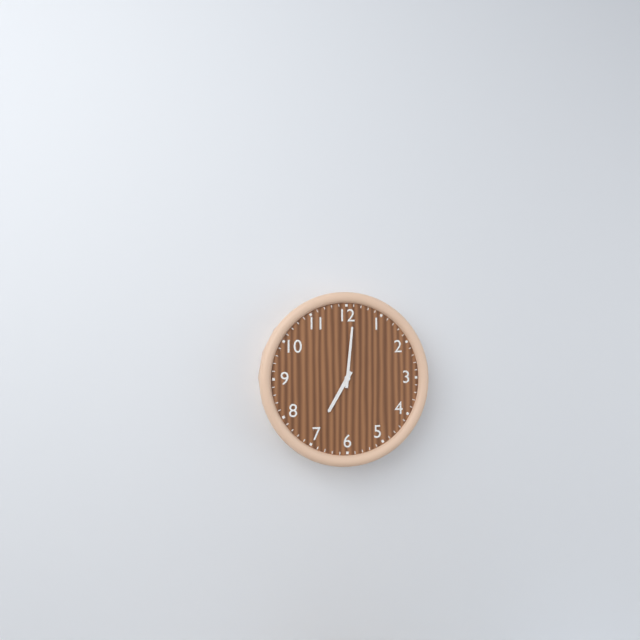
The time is 7:01
